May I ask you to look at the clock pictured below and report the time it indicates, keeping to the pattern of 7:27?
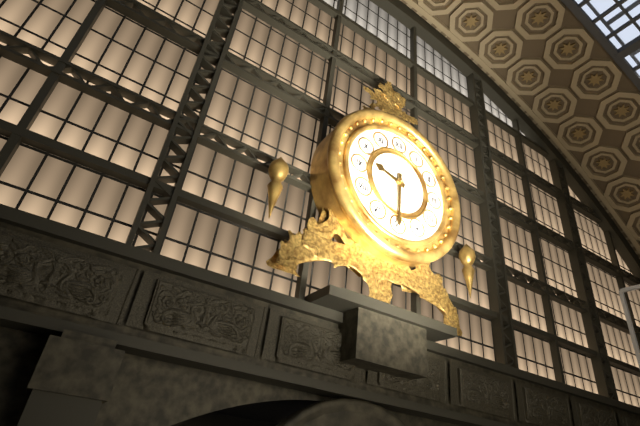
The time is 9:30
